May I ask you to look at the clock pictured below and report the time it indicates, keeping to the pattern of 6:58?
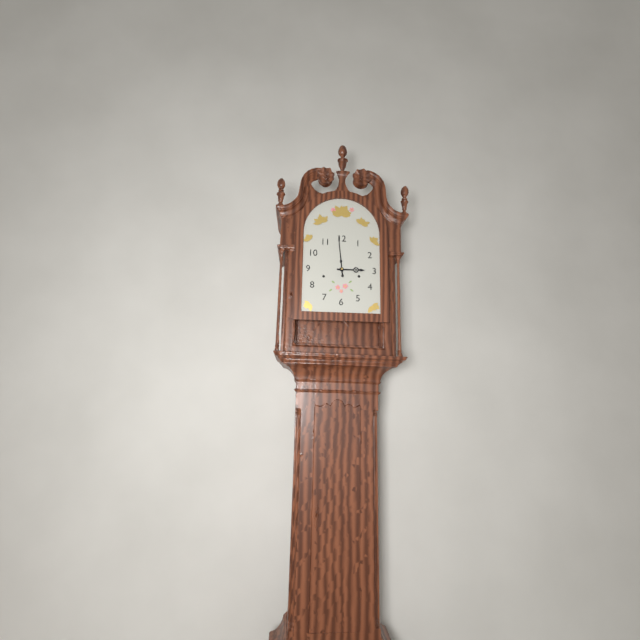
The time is 2:59
